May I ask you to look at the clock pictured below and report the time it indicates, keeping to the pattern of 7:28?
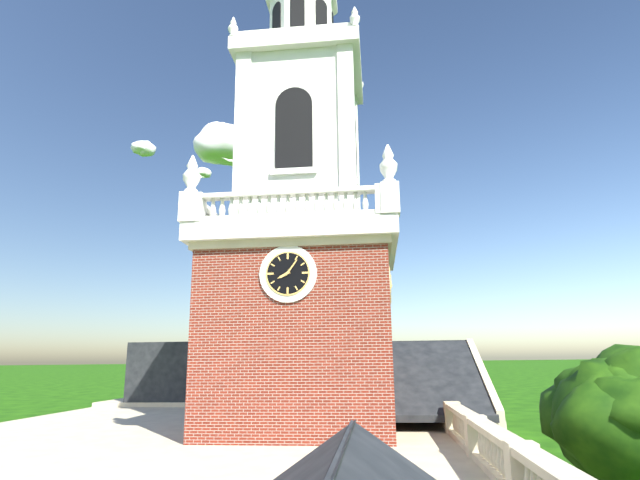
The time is 8:06
